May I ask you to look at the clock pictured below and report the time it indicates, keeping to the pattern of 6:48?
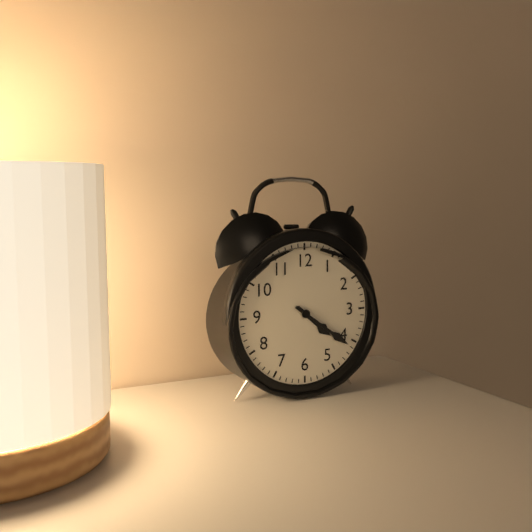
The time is 4:21
